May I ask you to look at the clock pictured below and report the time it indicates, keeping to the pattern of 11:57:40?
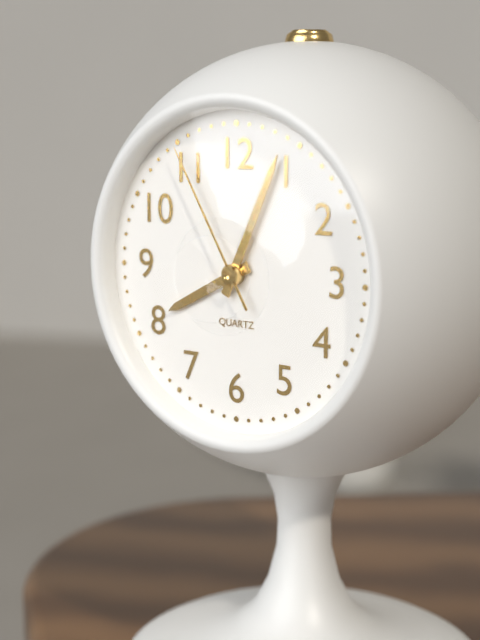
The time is 8:04:55
